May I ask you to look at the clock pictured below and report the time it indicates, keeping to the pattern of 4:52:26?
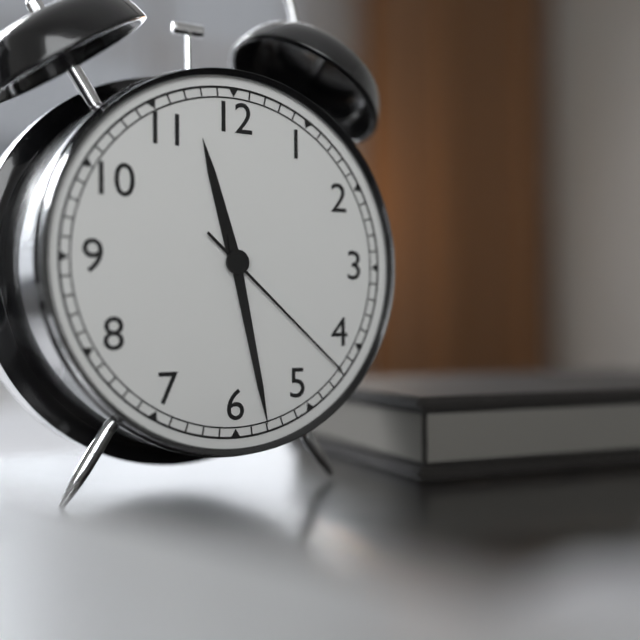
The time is 11:28:22
